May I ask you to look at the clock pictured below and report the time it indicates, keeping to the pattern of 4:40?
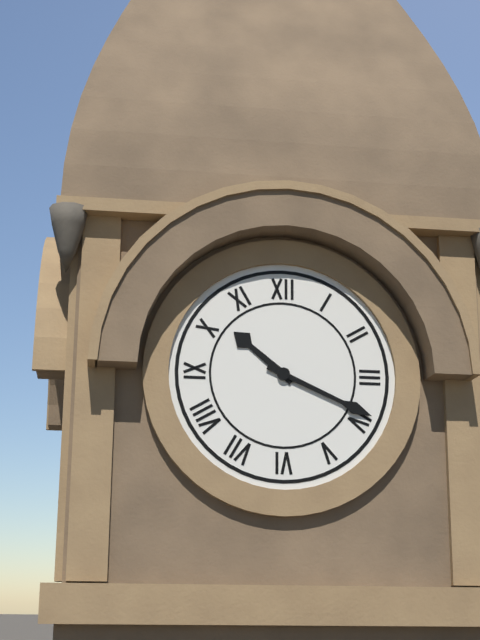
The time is 10:19
